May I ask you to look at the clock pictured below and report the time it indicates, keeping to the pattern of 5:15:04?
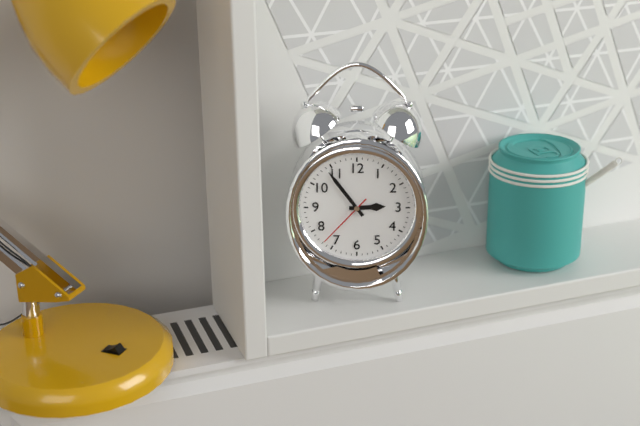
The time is 2:54:37
